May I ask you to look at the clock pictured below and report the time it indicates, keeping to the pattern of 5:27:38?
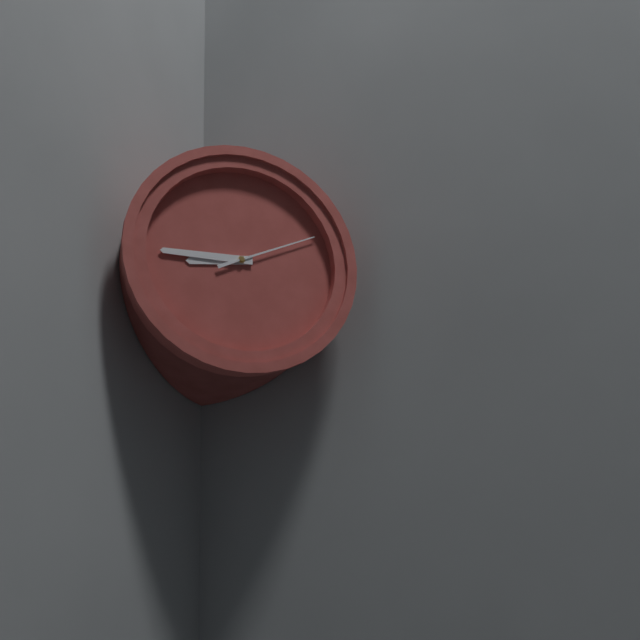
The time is 8:45:11
